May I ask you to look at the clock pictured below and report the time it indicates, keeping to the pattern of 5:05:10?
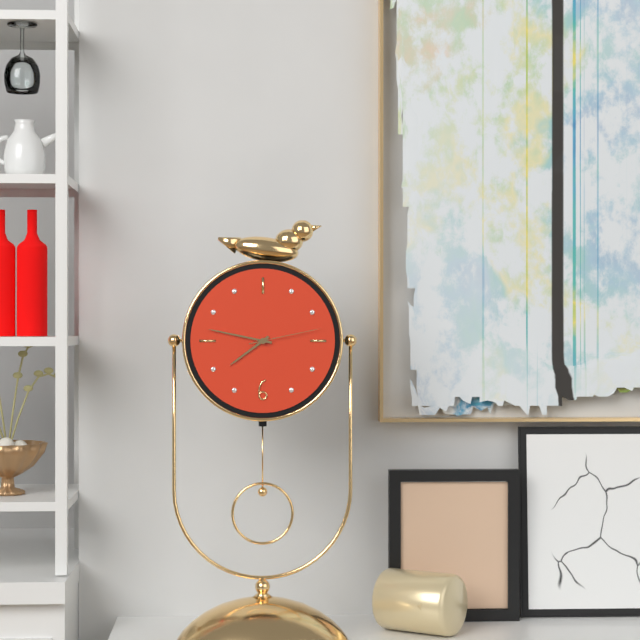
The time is 7:47:13
